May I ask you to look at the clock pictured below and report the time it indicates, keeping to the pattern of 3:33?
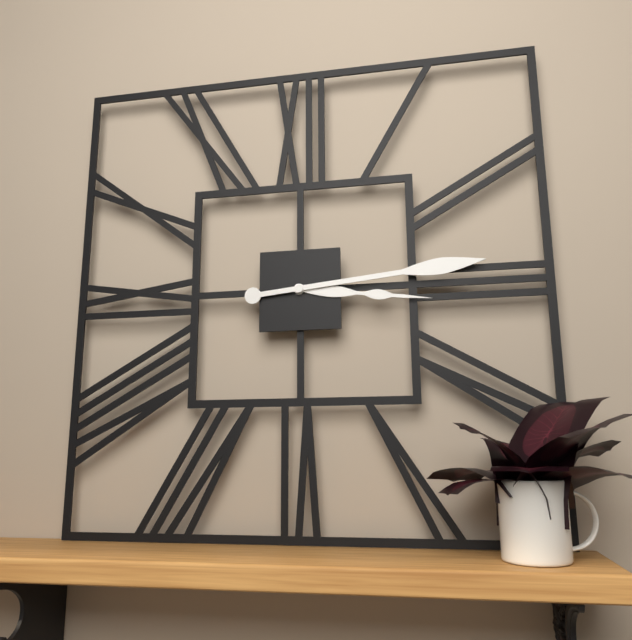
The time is 3:14
